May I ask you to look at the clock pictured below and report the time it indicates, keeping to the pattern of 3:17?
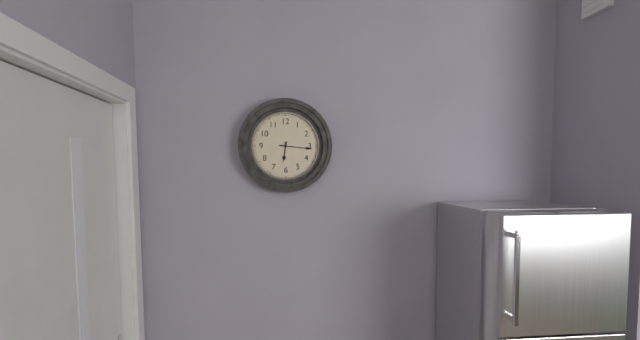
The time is 6:16
